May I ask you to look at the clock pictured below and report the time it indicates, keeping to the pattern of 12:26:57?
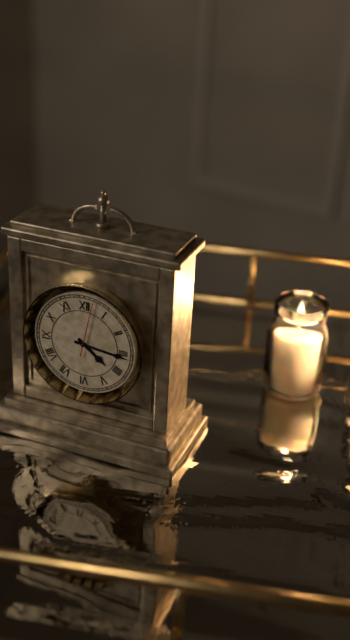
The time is 4:16:02
